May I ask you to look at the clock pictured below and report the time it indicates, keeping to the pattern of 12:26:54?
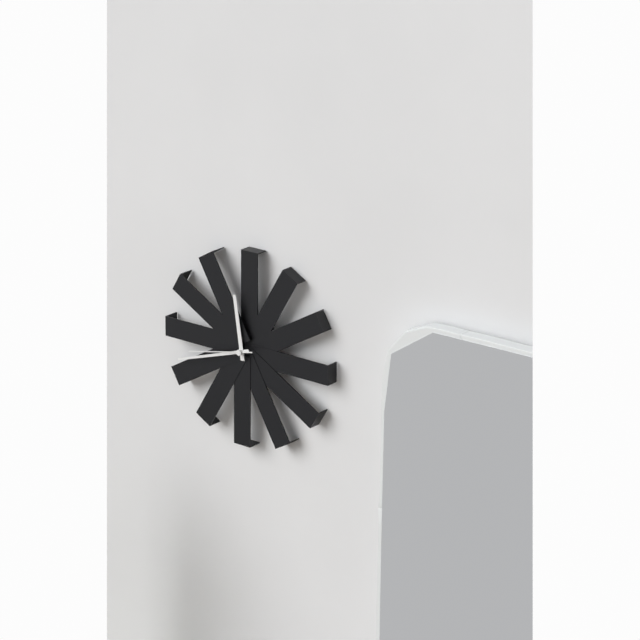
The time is 11:42:43
